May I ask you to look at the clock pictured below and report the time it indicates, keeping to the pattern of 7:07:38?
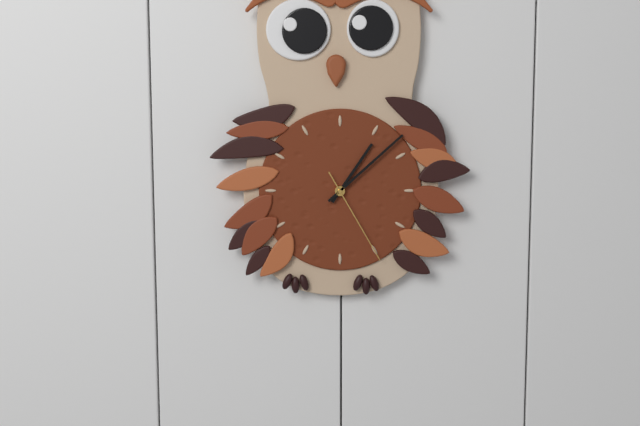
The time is 1:08:25
